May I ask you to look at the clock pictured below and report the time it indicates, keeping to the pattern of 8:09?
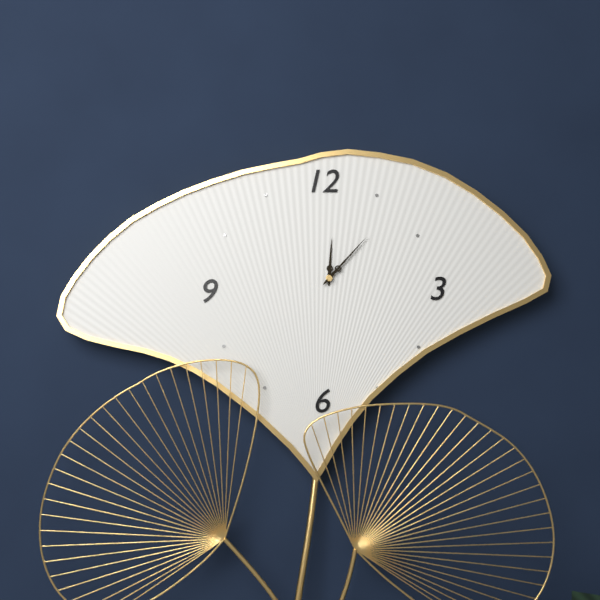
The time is 12:07
